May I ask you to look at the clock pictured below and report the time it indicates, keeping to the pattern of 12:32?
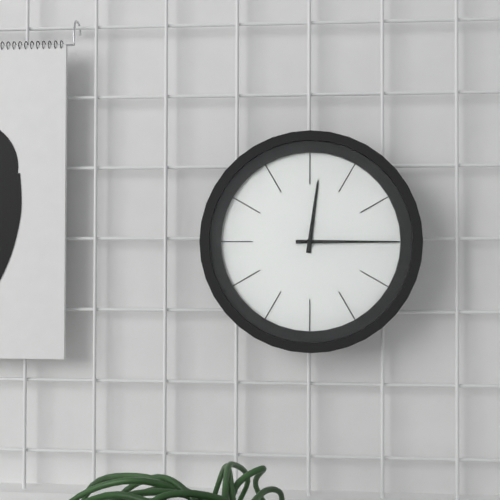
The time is 12:15
